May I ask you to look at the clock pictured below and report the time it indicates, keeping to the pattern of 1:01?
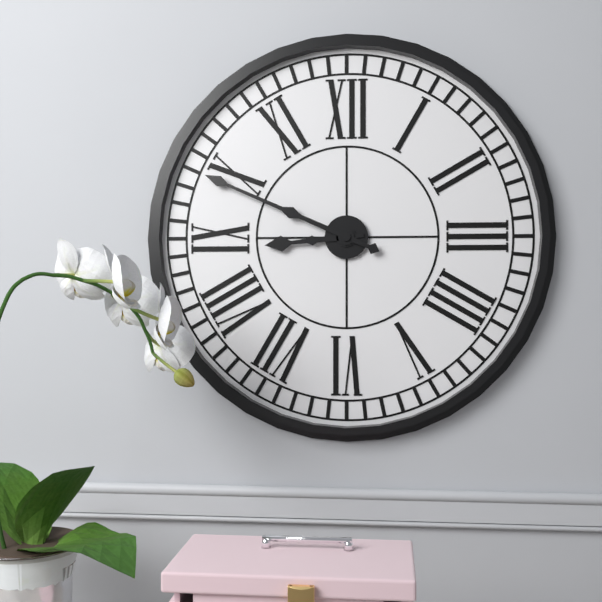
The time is 8:49
